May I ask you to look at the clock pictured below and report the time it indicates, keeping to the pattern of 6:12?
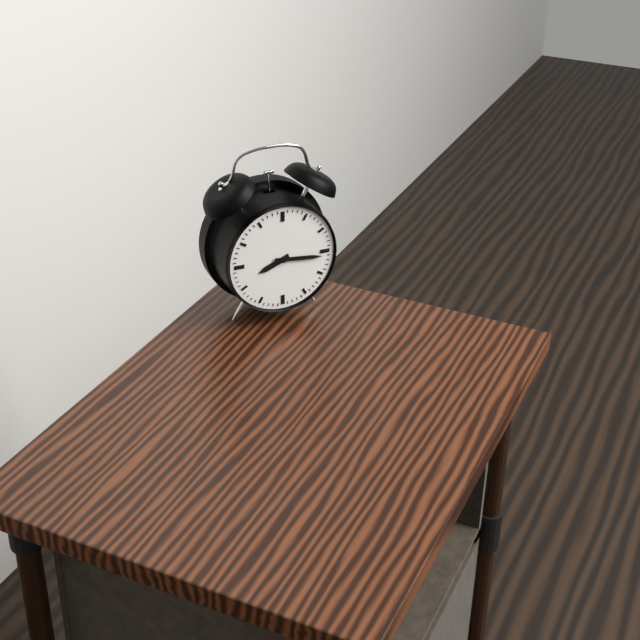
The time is 8:16
